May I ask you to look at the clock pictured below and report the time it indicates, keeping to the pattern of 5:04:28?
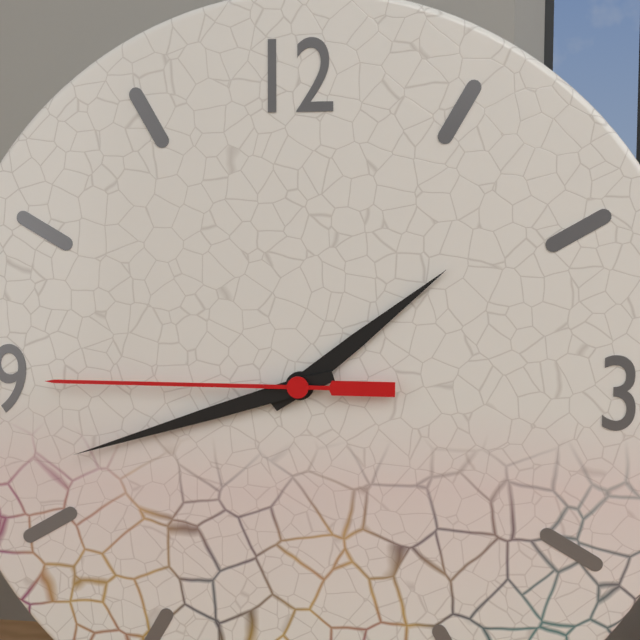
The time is 1:42:45
